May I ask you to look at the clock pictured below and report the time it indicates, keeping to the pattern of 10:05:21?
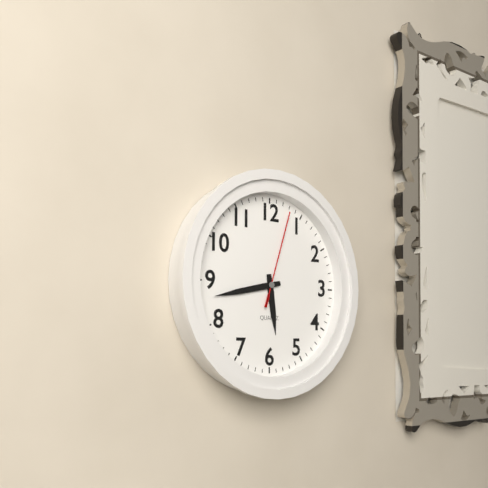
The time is 5:43:03
